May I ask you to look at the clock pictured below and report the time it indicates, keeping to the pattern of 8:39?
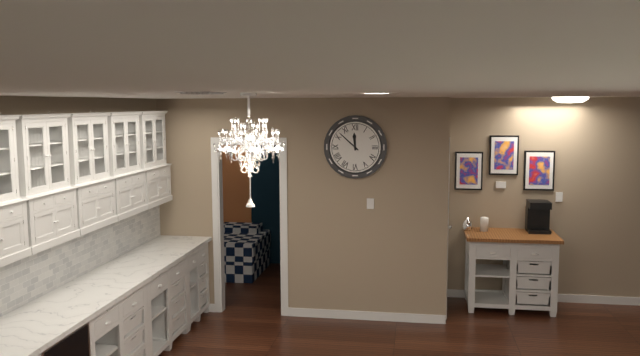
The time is 11:52
